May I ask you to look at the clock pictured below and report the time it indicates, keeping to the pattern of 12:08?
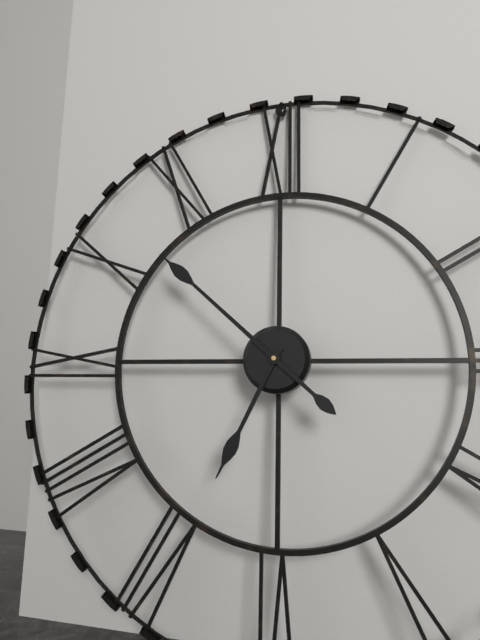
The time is 6:52
